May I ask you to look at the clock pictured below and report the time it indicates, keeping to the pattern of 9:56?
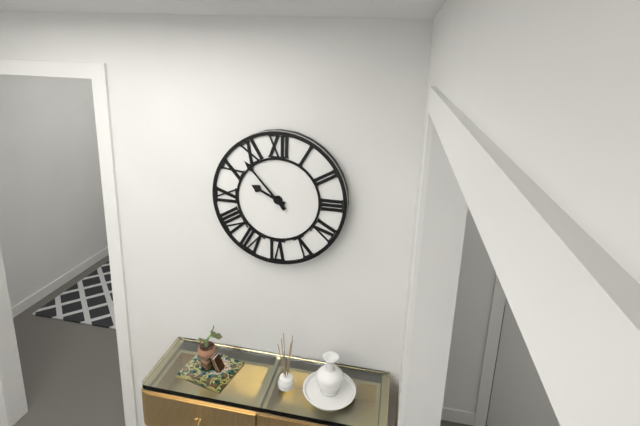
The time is 9:53
